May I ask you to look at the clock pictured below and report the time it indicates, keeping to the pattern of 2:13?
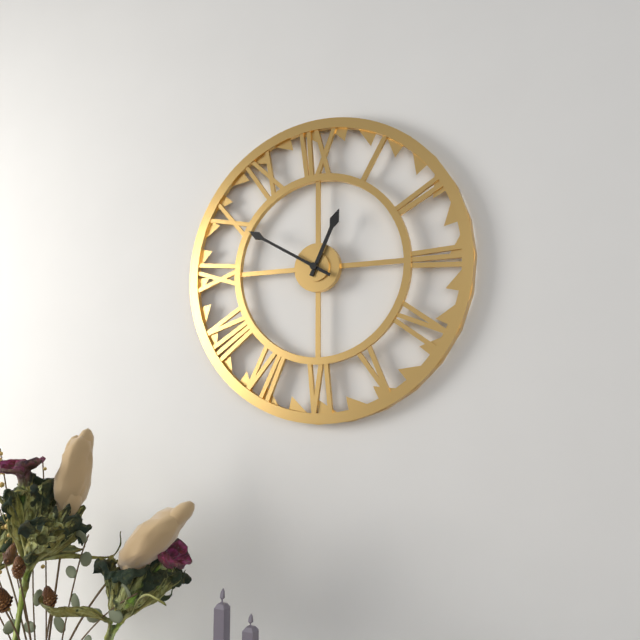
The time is 12:50
